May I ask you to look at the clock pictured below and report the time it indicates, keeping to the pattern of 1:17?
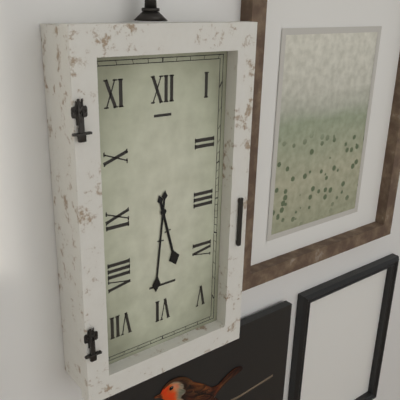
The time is 5:31
